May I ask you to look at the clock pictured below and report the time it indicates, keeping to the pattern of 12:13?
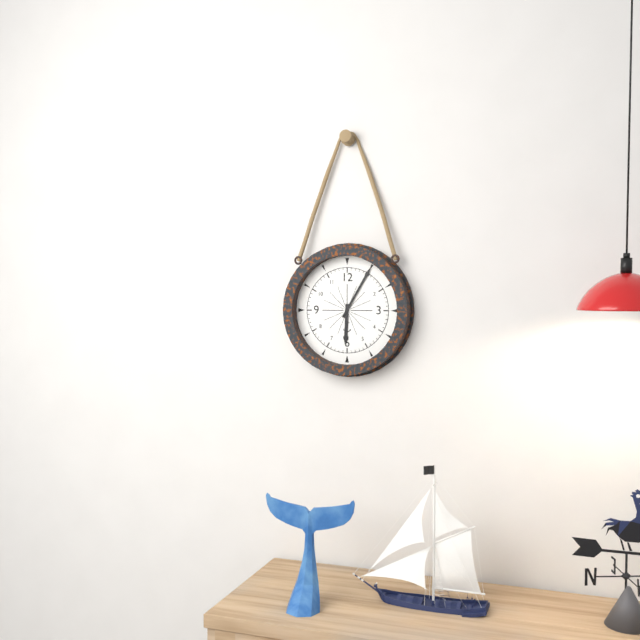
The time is 6:05
